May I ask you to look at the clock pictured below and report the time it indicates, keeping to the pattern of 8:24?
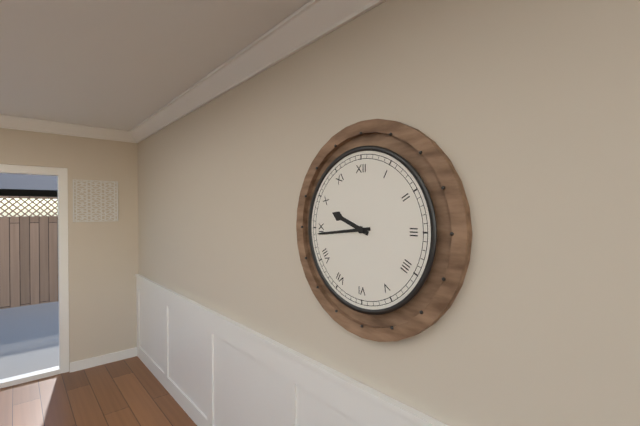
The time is 9:44
